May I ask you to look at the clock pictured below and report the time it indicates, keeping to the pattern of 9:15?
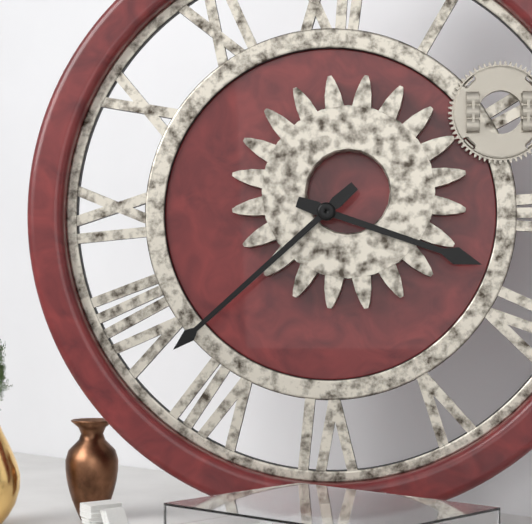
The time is 3:38
